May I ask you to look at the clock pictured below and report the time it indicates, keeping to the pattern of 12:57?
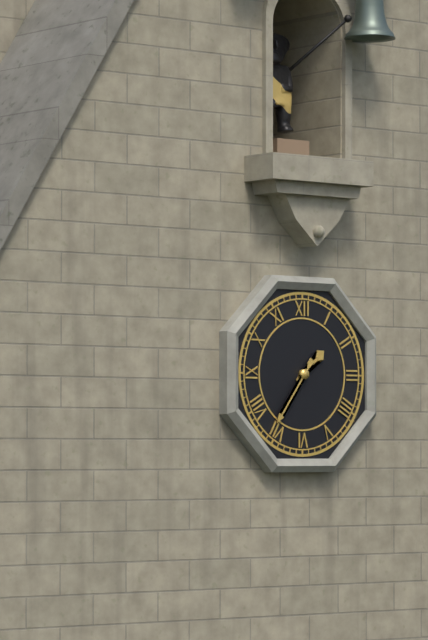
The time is 1:36
